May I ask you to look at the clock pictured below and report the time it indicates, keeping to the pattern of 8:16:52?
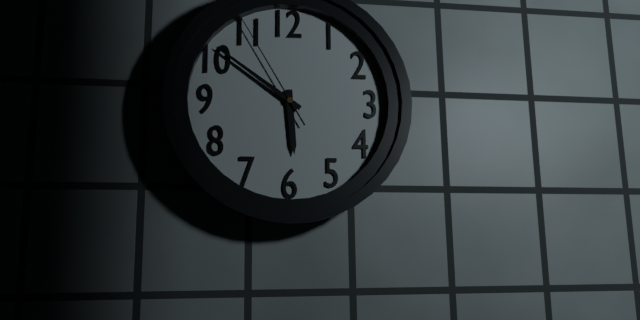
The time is 5:51:55
